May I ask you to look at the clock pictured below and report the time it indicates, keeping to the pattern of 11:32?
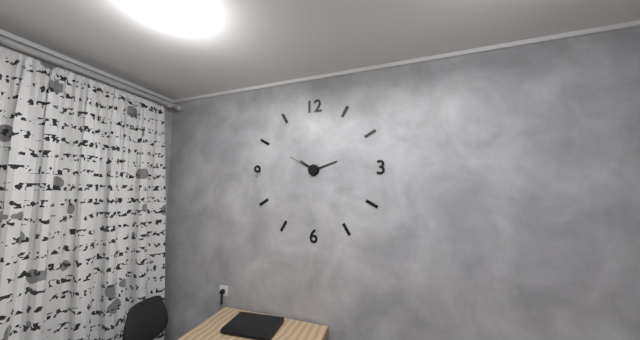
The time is 10:12
